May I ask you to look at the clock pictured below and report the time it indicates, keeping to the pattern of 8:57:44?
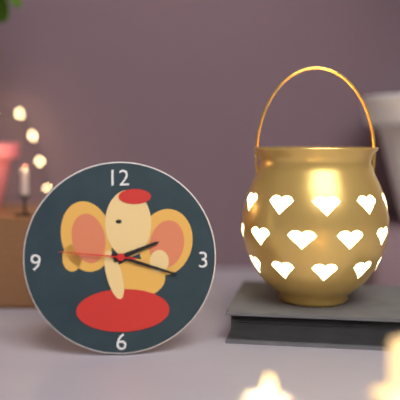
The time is 2:18:46
